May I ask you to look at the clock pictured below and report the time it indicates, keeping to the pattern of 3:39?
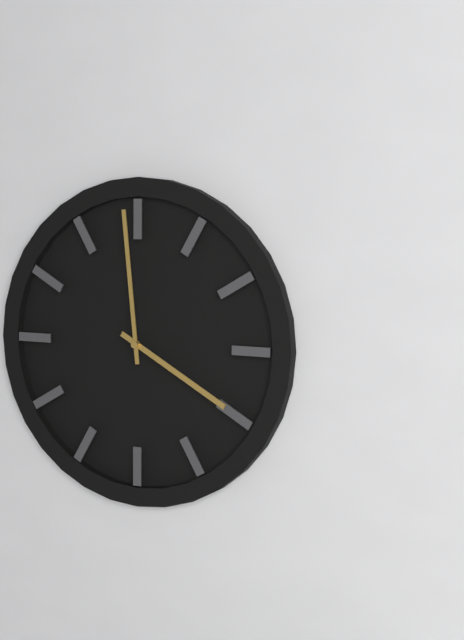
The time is 3:59
